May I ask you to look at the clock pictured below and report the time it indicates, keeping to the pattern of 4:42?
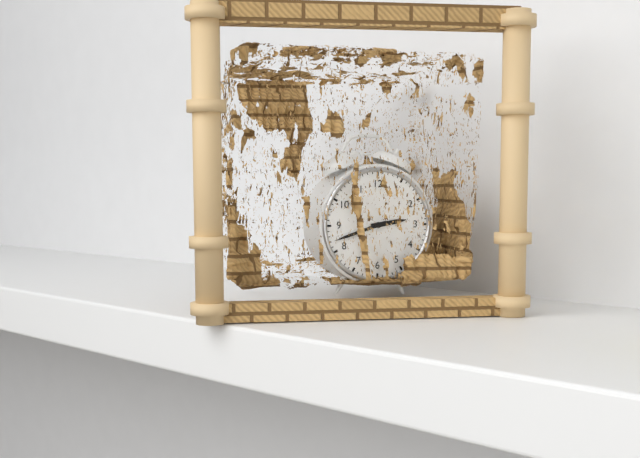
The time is 2:42
